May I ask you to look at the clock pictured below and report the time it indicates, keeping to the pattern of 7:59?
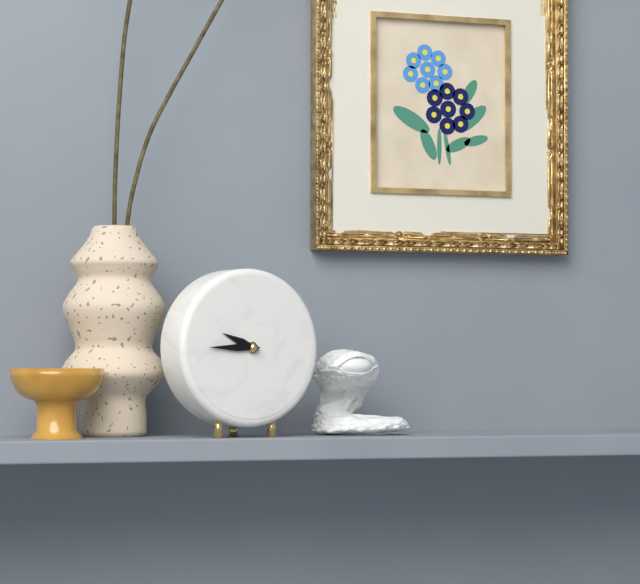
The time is 9:45
